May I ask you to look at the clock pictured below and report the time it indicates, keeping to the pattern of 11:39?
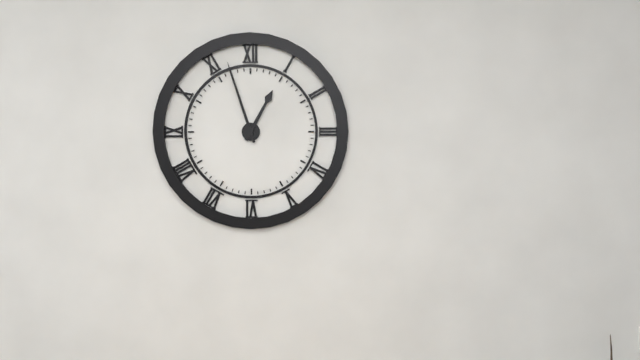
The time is 12:57
